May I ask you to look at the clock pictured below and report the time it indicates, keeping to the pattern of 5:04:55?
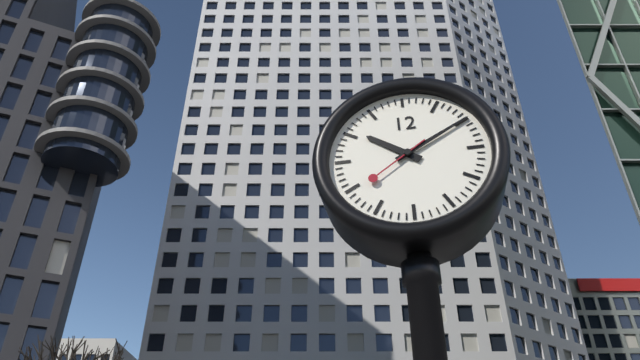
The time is 10:10:39
